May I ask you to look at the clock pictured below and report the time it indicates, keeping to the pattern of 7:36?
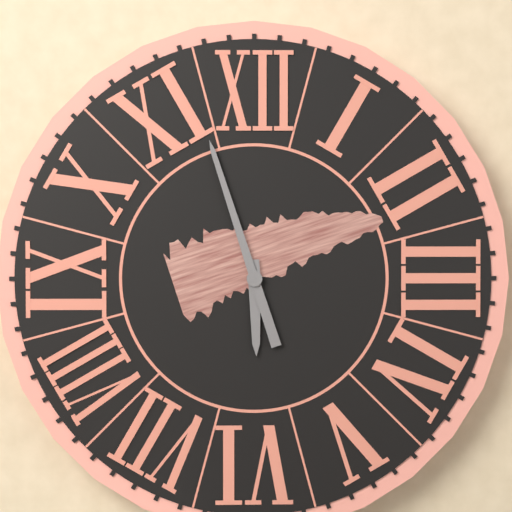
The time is 5:57
